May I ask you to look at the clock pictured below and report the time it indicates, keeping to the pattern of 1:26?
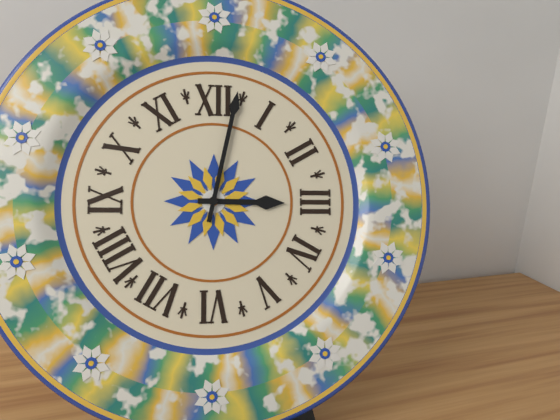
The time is 3:02
